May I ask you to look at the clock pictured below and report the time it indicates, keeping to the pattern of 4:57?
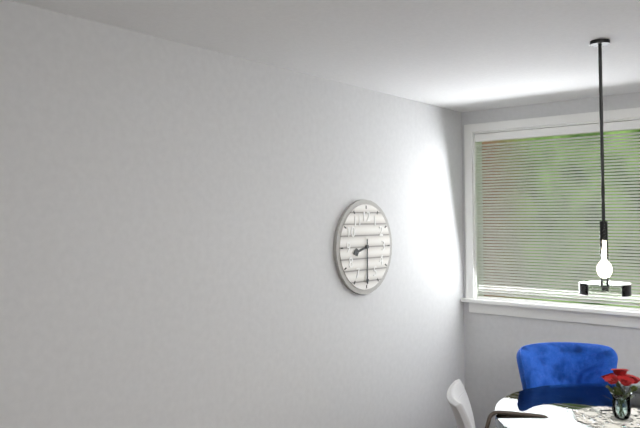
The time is 8:30
